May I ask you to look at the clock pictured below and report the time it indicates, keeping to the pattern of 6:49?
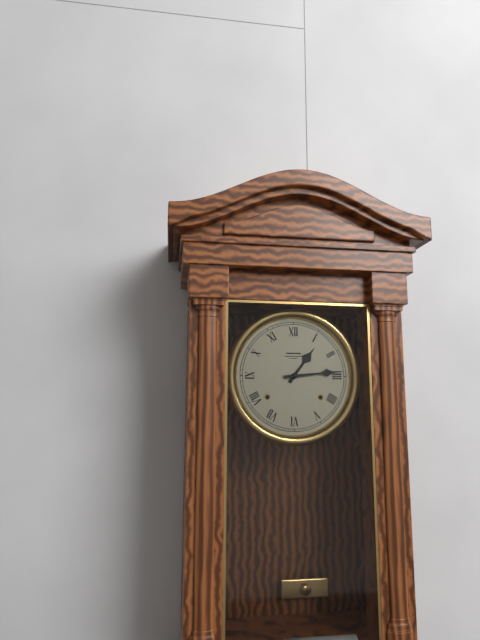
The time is 1:14
